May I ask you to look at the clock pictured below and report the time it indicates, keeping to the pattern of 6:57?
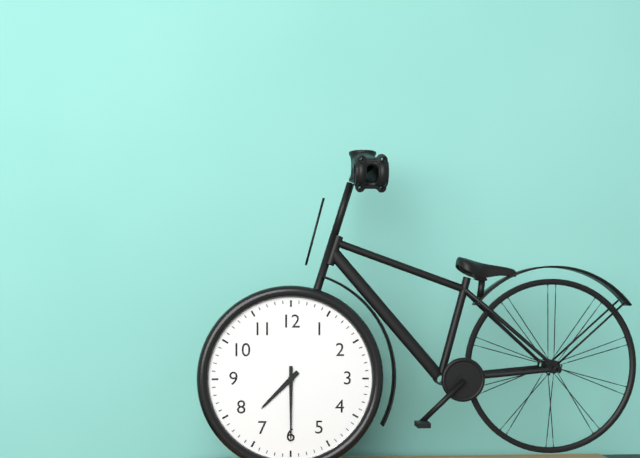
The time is 7:30
